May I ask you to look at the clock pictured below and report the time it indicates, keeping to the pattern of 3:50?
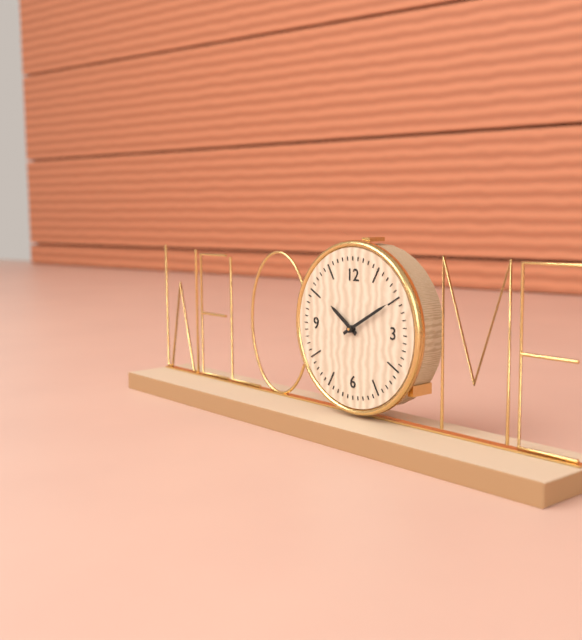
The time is 10:10
